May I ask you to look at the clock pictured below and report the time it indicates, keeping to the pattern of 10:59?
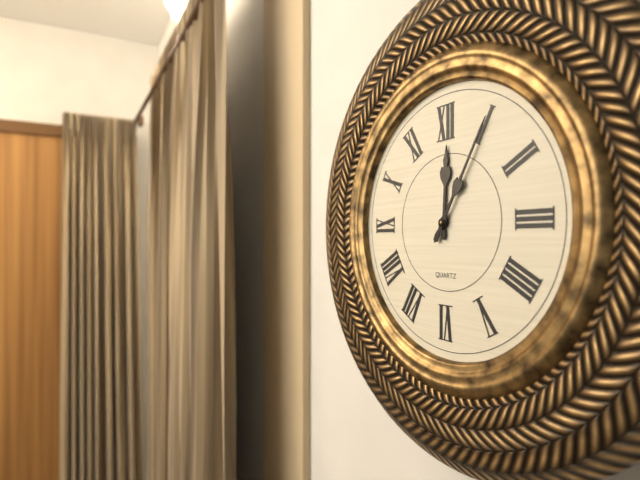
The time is 12:05
